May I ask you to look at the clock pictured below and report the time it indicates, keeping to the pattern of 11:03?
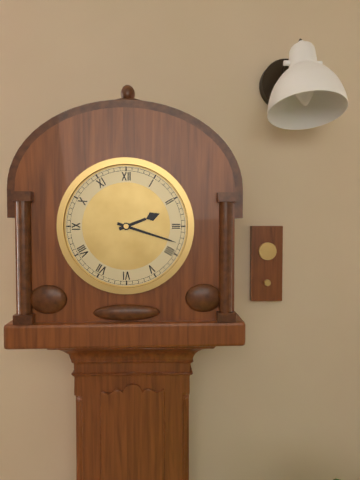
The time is 2:18
